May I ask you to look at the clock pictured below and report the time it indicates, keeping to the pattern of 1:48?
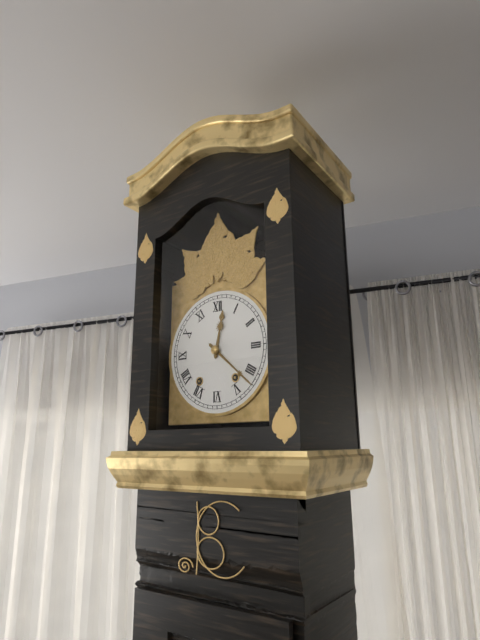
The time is 12:22
